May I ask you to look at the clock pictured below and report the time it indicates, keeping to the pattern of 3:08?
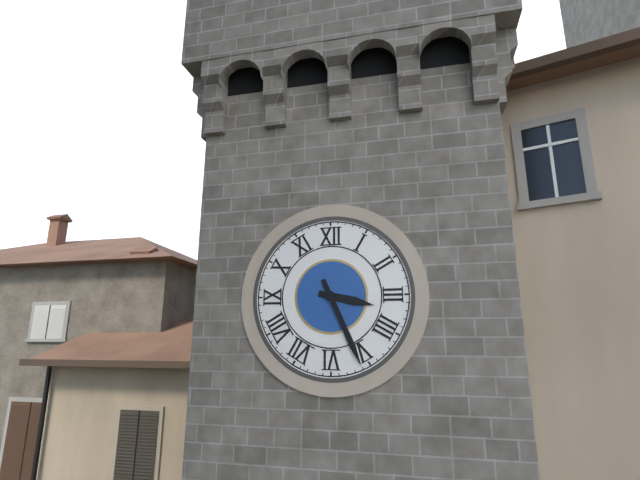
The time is 3:26
